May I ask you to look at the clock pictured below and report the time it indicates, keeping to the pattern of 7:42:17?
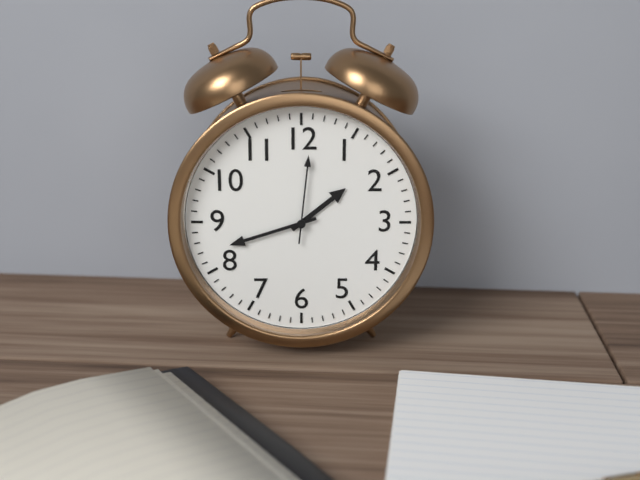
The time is 1:42:01
